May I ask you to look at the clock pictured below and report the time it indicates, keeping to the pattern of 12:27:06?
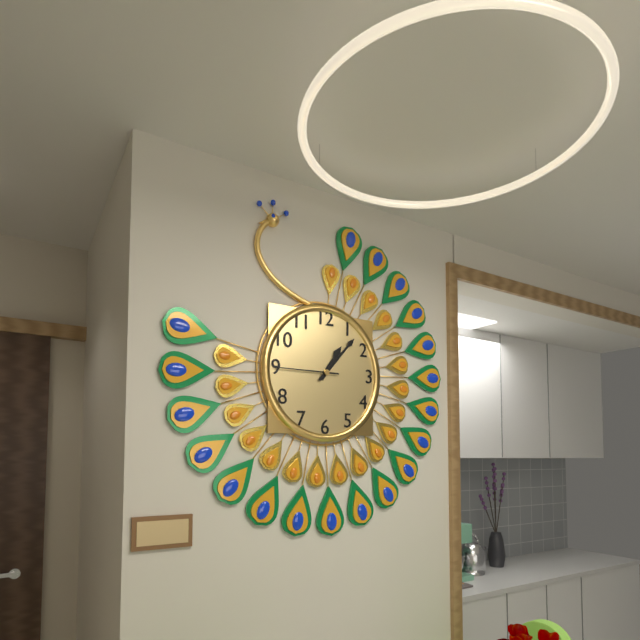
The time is 1:07:45
